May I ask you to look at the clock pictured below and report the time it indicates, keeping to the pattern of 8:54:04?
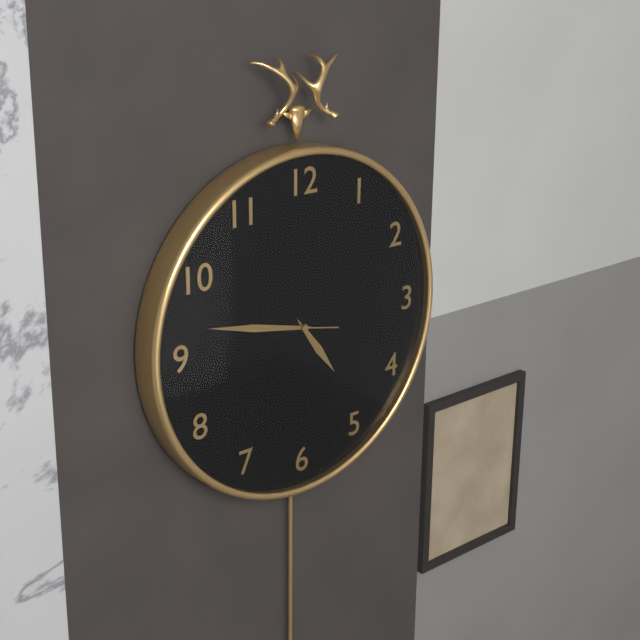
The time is 4:47:47
